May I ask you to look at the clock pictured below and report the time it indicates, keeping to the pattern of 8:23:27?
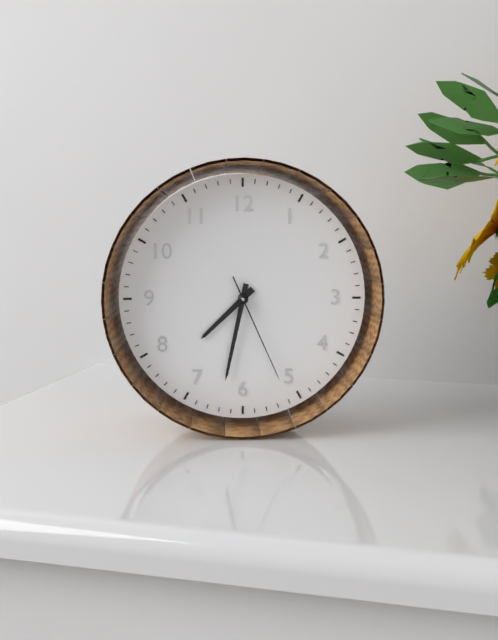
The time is 7:32:26
